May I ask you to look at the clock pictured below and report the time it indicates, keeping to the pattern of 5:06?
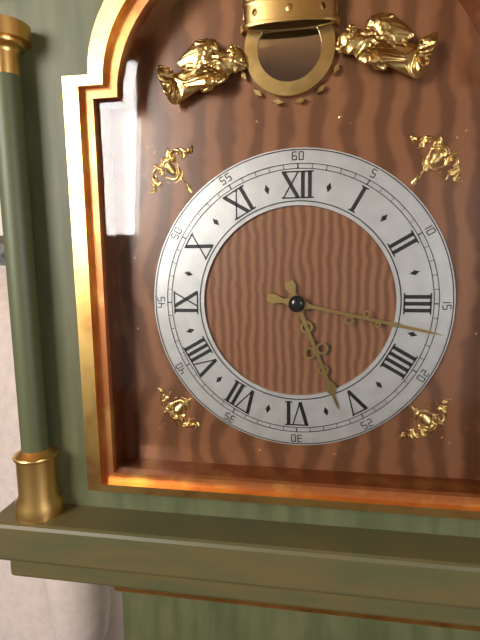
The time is 5:17
